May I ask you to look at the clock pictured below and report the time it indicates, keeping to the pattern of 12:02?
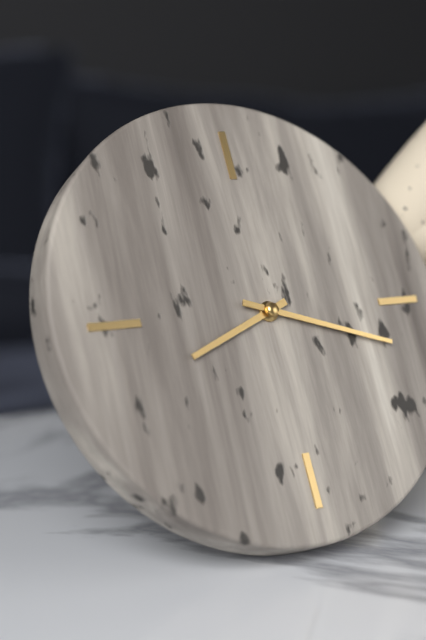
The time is 8:18
